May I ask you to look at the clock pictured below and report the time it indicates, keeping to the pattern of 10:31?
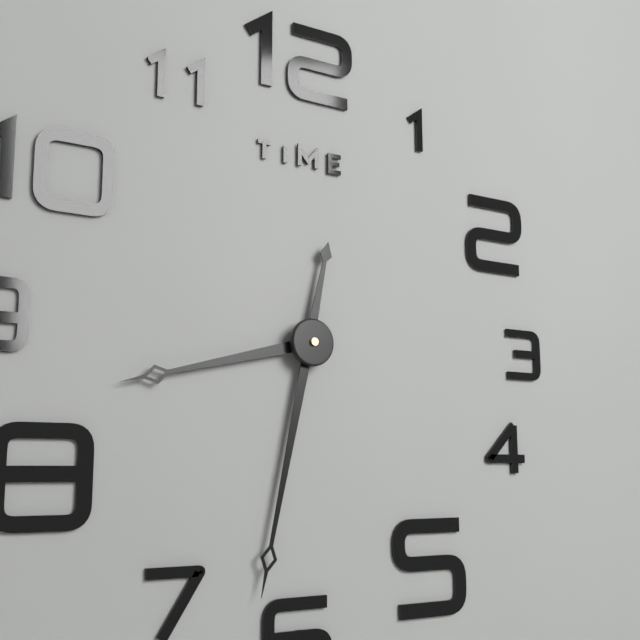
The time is 8:32
